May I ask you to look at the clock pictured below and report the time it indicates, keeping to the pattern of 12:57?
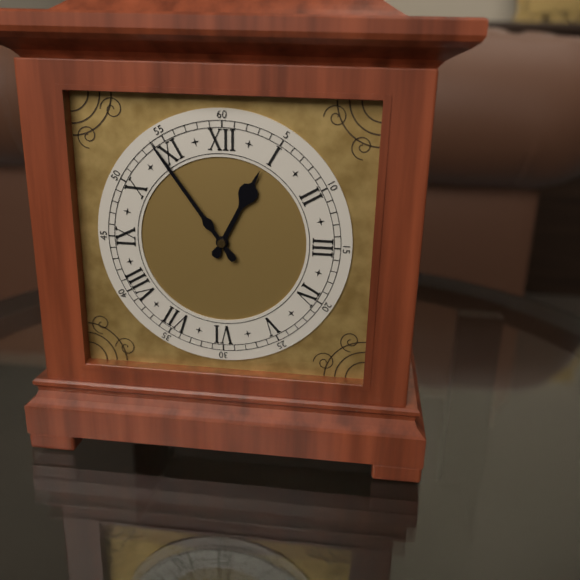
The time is 12:54
